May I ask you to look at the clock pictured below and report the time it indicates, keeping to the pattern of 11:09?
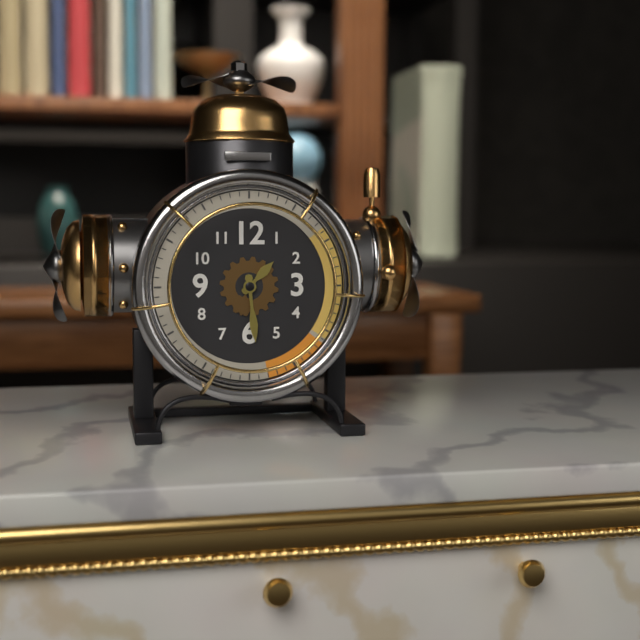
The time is 1:29
